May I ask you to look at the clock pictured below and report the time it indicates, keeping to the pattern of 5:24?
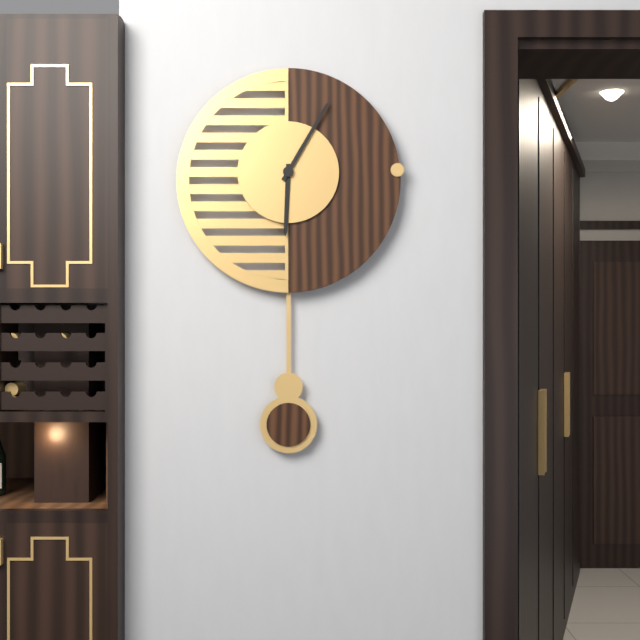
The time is 6:05
